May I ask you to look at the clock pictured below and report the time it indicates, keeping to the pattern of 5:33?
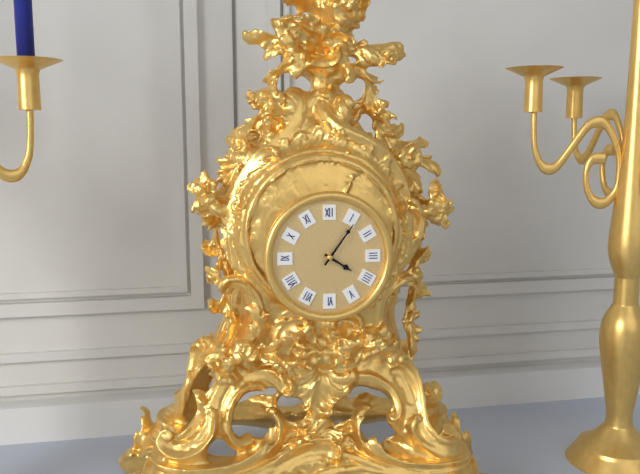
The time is 4:06
